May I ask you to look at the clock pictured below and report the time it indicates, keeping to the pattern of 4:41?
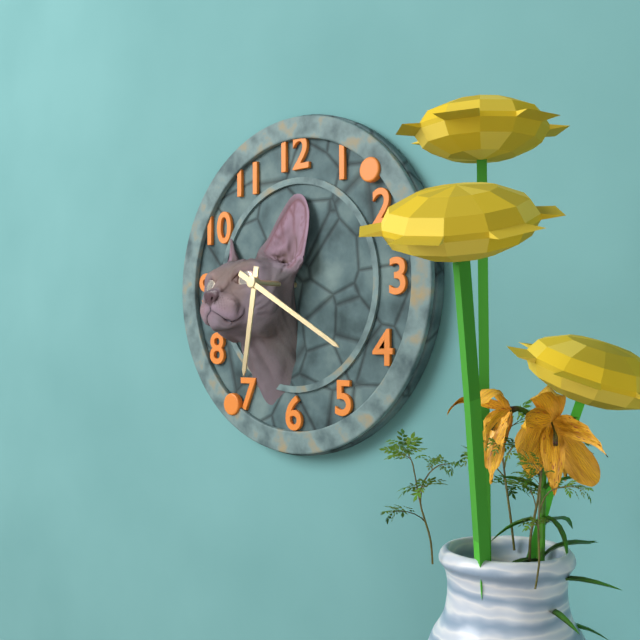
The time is 6:20
